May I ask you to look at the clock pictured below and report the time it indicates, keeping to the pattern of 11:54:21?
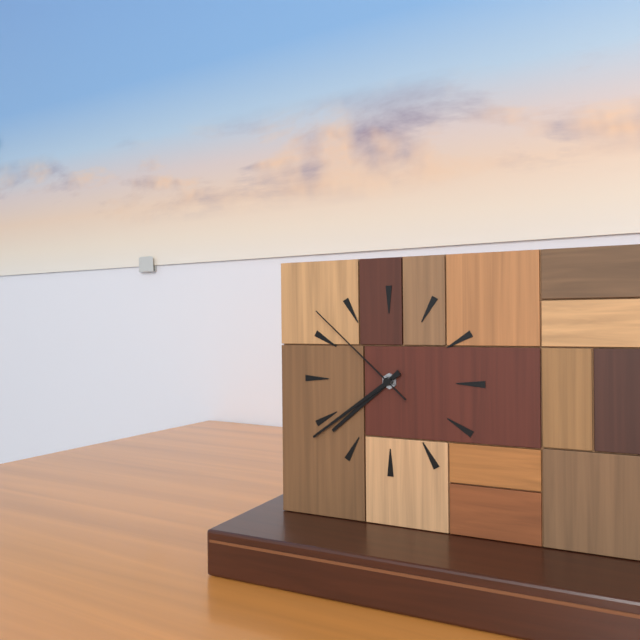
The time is 7:39:52
